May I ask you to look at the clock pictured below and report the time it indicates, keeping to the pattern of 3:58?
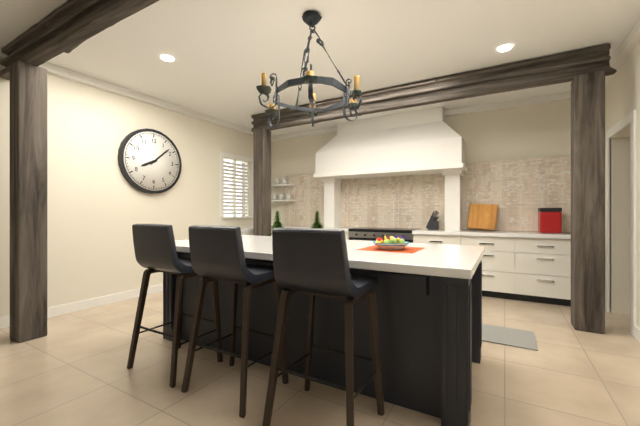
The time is 8:08
